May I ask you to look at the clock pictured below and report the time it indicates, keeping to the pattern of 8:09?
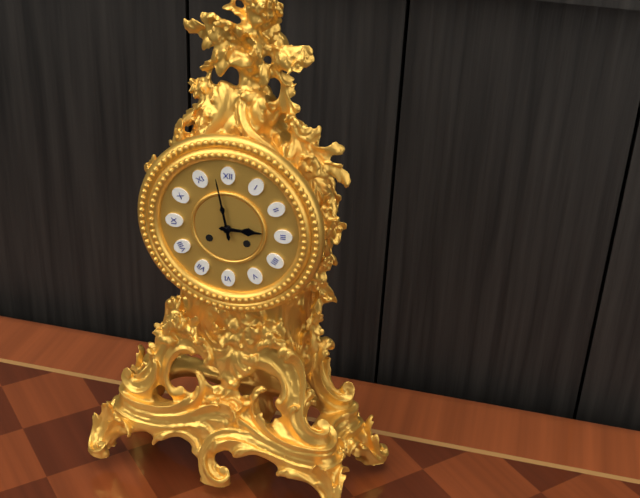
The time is 2:58
